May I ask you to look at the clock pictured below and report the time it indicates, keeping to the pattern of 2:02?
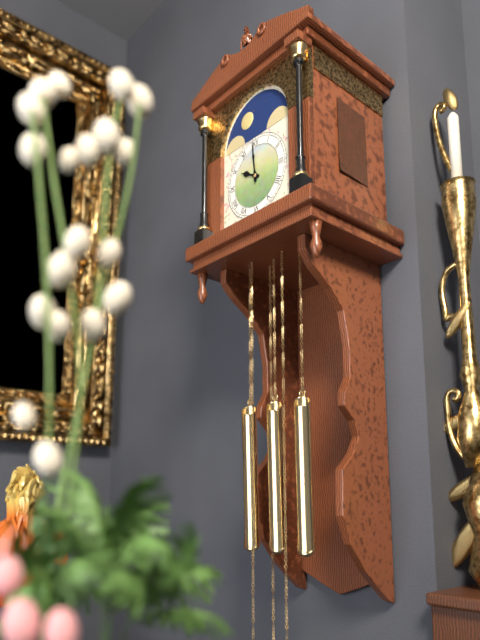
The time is 9:59
